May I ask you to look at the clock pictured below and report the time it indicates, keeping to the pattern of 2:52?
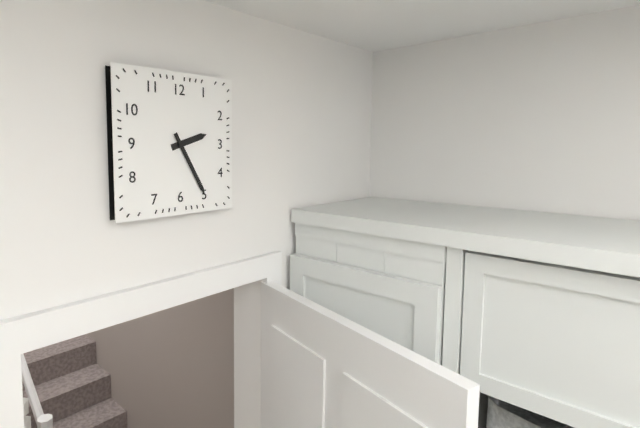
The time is 2:25
